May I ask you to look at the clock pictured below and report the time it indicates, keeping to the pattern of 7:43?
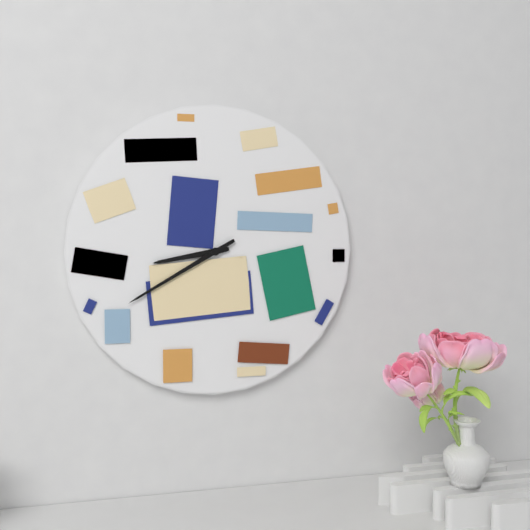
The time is 8:40
